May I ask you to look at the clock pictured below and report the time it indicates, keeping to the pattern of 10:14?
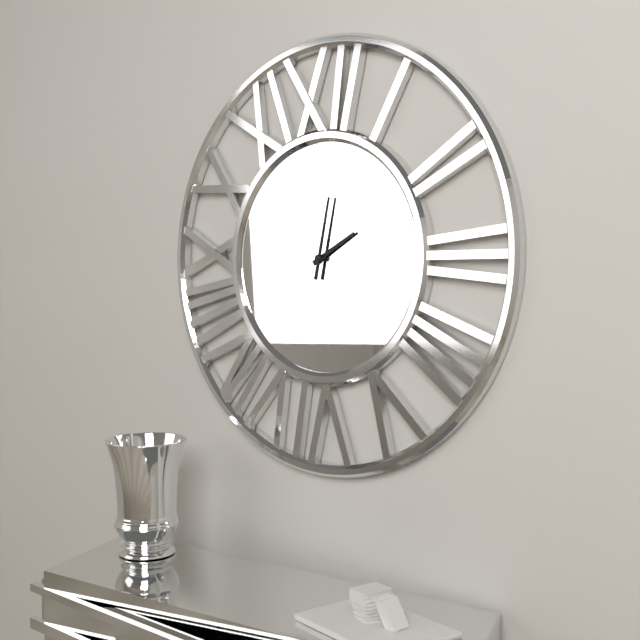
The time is 2:02
